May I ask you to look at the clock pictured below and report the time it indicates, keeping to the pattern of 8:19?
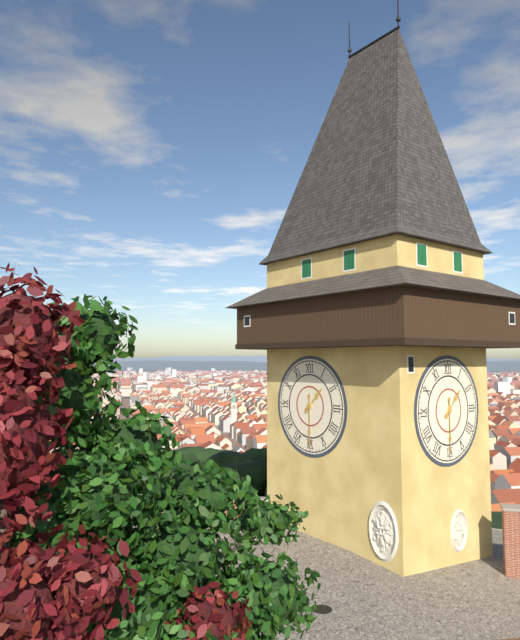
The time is 1:30
